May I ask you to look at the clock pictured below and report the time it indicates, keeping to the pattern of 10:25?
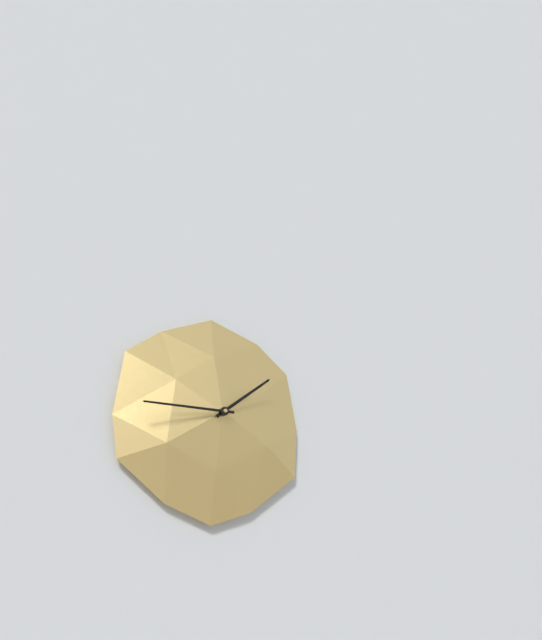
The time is 1:45
